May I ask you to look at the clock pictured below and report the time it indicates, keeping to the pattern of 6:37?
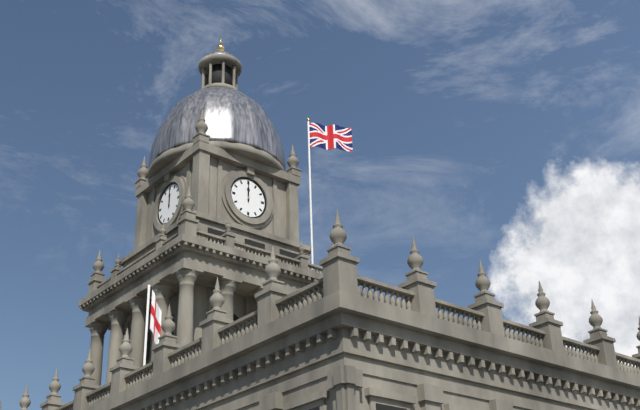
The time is 12:00
